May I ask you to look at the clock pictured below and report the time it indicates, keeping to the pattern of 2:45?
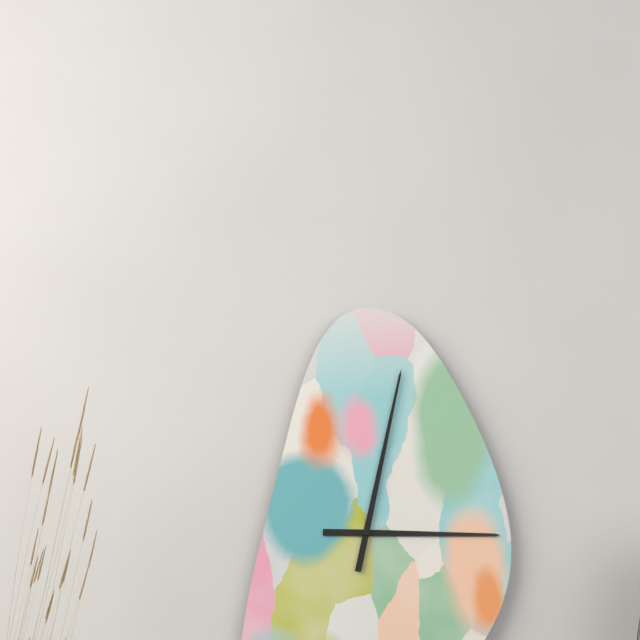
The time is 3:02
